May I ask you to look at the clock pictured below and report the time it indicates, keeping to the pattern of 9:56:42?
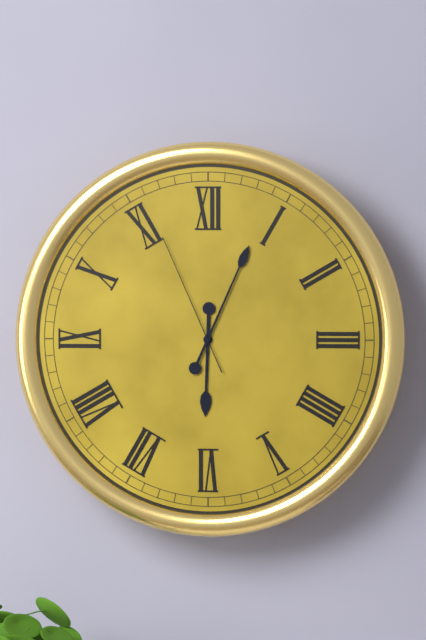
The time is 6:04:56
